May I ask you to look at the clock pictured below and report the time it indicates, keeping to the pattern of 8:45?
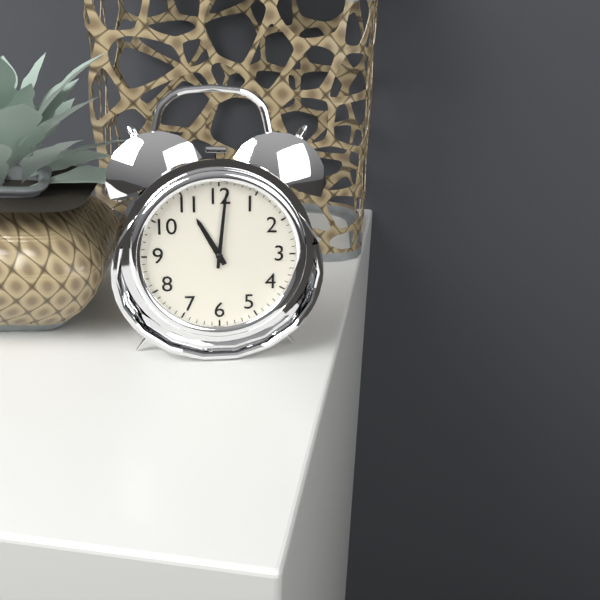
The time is 11:01
